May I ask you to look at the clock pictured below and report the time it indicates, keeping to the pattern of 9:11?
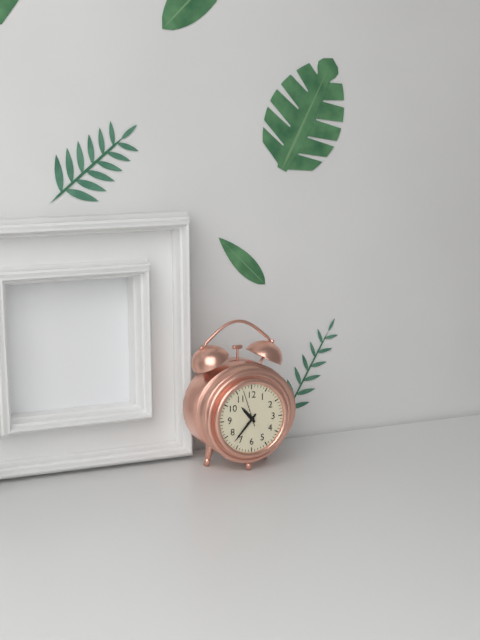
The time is 10:37
